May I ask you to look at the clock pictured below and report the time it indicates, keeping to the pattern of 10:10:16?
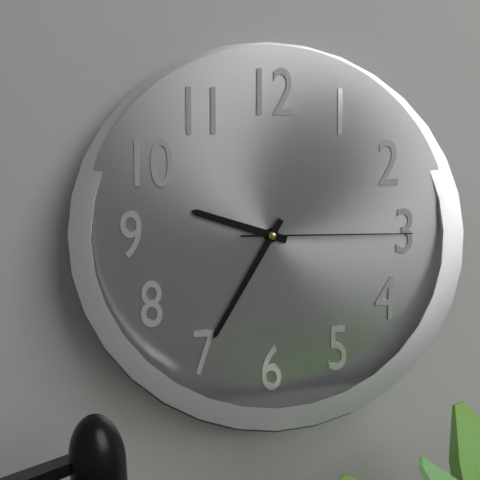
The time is 9:35:15
